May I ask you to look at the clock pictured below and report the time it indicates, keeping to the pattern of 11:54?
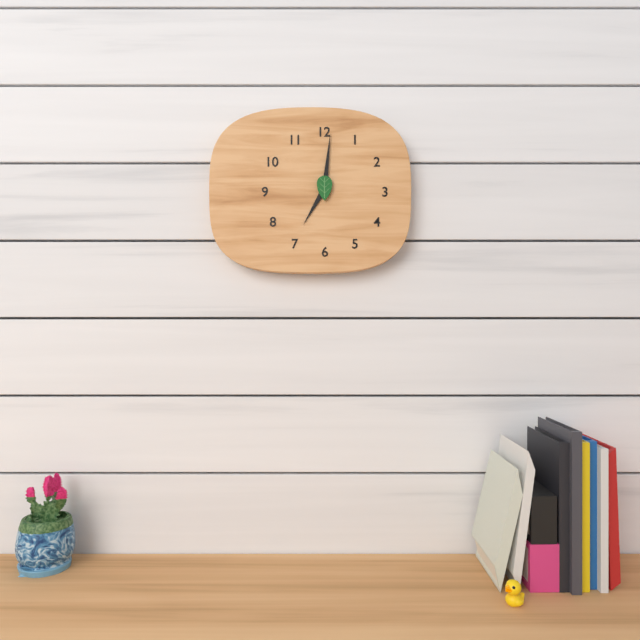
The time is 7:01
